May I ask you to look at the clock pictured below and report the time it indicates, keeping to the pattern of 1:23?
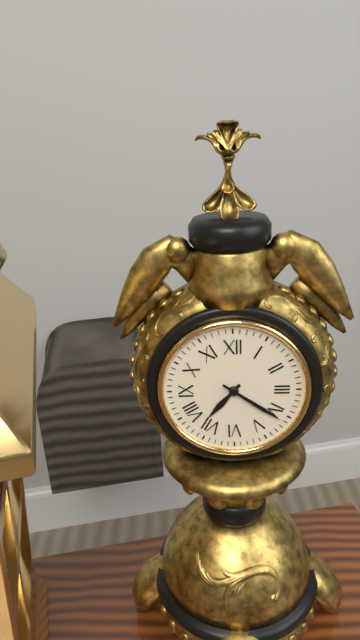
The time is 7:21
